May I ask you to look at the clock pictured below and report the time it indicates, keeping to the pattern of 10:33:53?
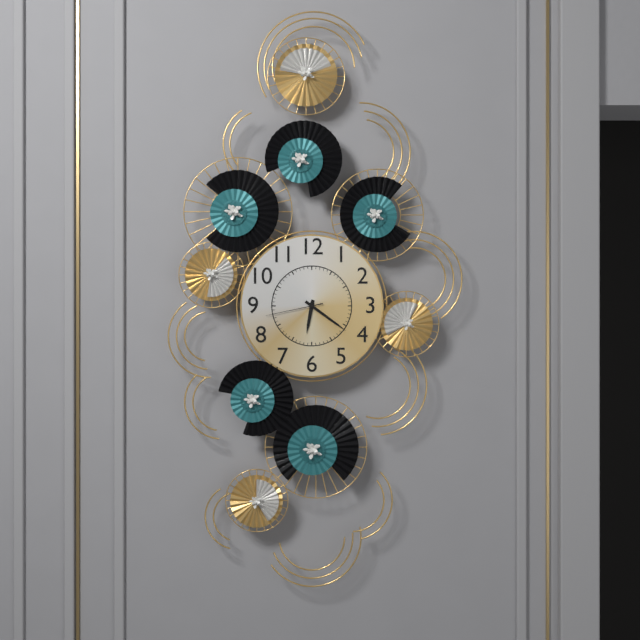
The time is 6:21:43
